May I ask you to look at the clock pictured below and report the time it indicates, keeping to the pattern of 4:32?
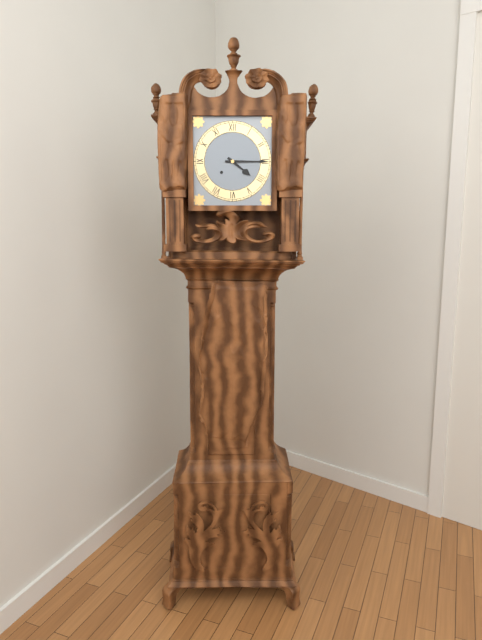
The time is 4:15
